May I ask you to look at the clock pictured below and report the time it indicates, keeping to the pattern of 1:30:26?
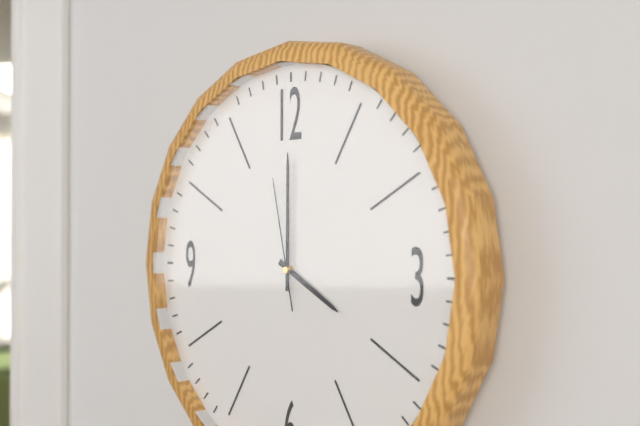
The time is 4:00:58
